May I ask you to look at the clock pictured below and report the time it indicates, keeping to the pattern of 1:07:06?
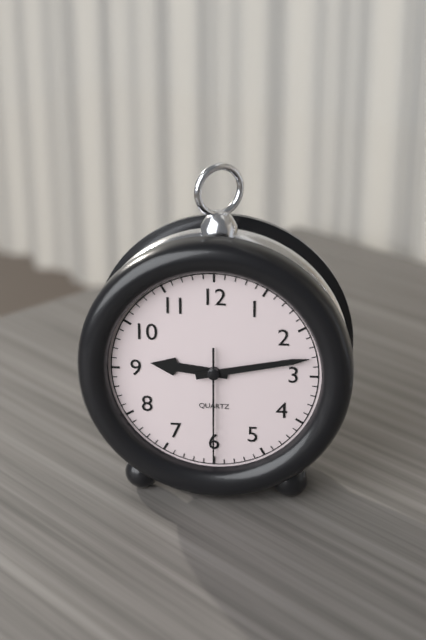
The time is 9:13:30
